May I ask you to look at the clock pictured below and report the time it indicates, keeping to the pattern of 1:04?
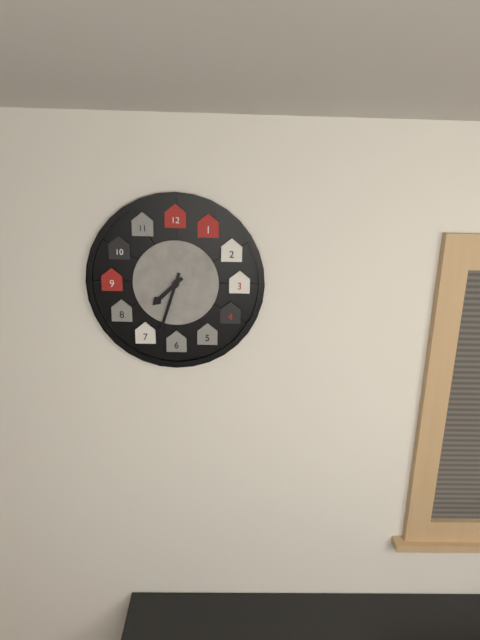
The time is 7:33
